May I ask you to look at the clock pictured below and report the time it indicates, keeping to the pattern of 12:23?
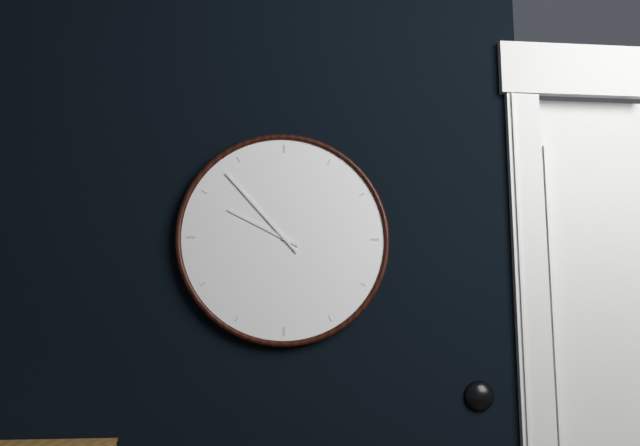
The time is 9:53
